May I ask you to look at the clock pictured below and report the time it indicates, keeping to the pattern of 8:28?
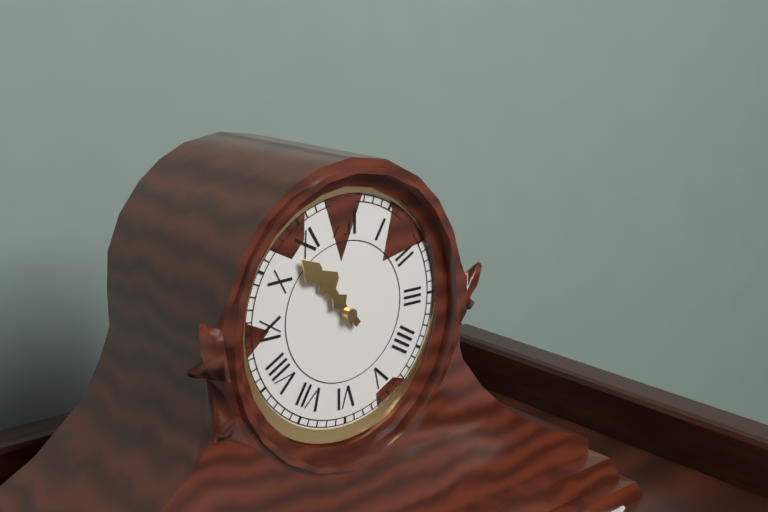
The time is 10:53
